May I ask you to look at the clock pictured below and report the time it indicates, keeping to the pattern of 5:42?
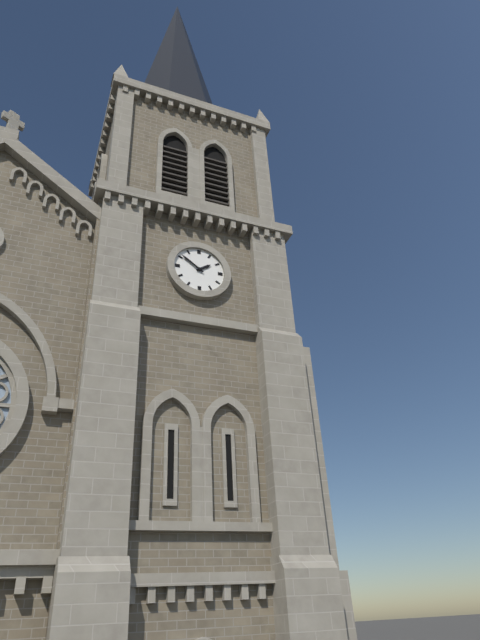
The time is 1:51
